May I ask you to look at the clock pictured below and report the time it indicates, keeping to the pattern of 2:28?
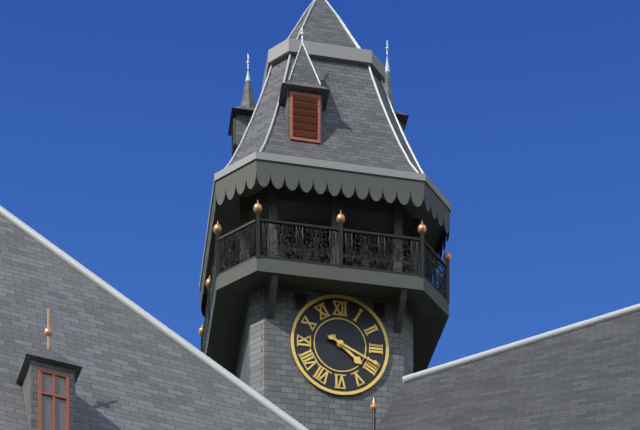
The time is 4:19
